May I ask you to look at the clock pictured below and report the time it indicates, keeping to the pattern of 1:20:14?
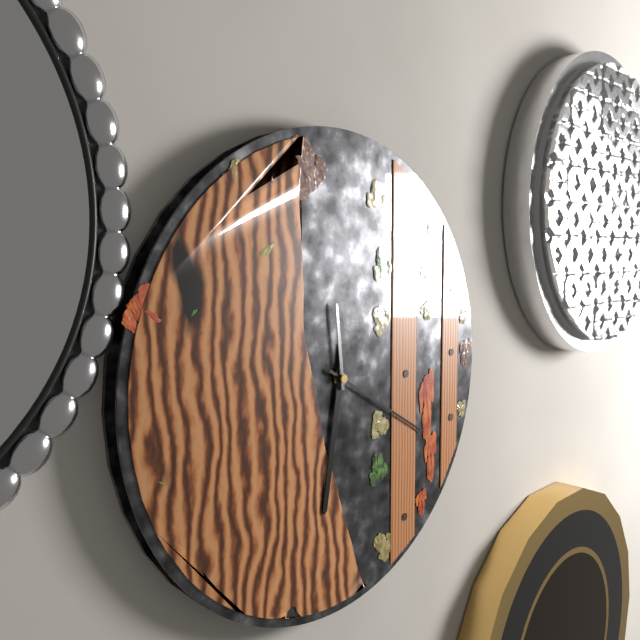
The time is 6:20:59
